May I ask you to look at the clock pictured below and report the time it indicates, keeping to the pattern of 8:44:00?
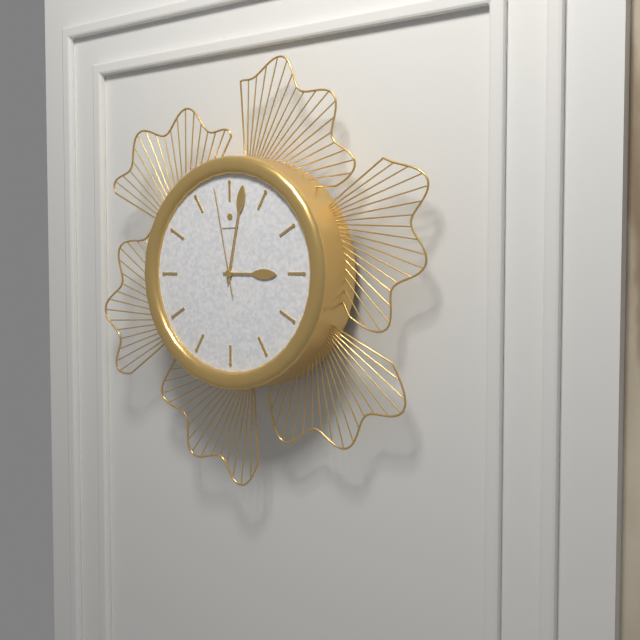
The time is 3:02:58
